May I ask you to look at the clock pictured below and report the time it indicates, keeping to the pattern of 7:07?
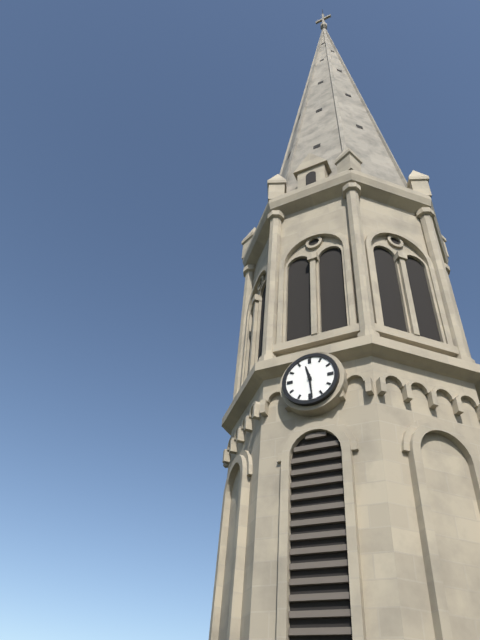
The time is 11:29
